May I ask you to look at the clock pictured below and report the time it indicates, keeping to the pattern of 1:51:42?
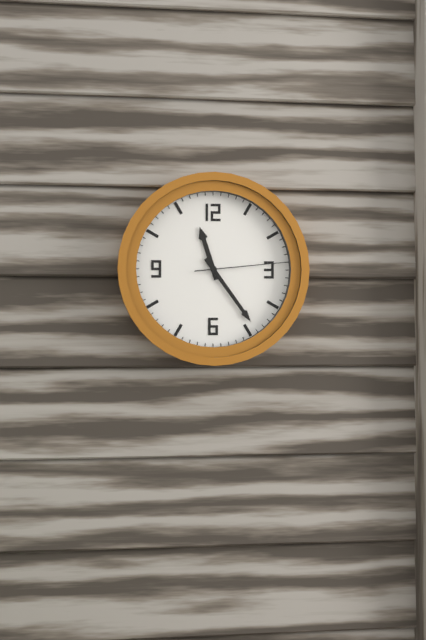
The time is 11:24:14
